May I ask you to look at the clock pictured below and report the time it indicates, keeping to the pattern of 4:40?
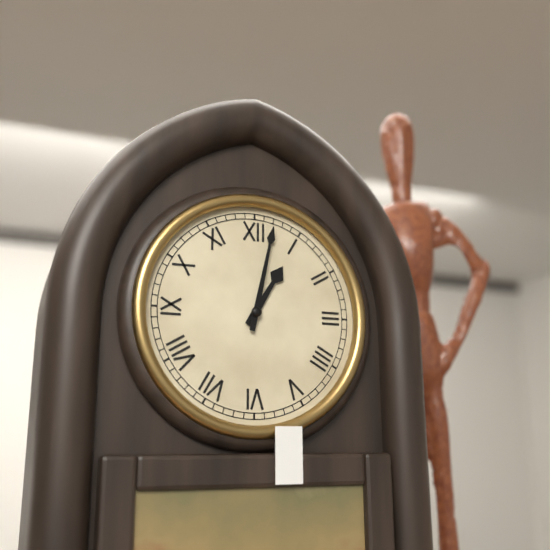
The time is 1:02
